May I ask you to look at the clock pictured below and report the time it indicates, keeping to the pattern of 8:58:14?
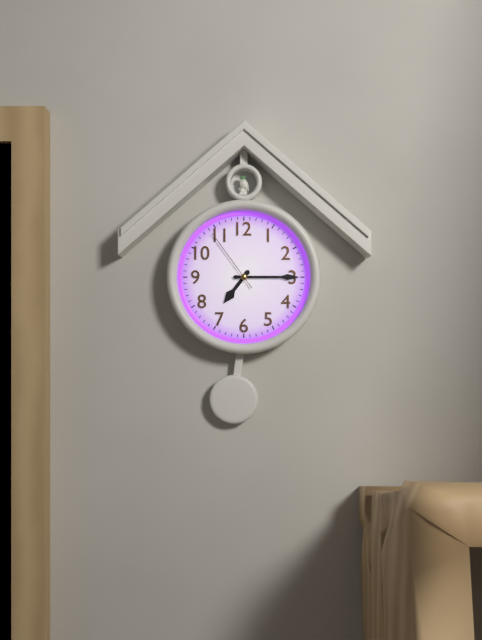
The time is 7:15:54
